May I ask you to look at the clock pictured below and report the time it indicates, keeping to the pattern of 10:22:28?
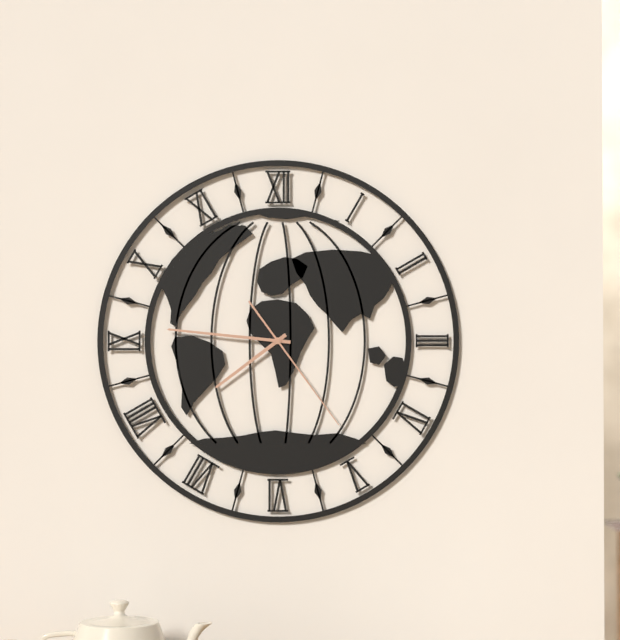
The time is 7:46:24
